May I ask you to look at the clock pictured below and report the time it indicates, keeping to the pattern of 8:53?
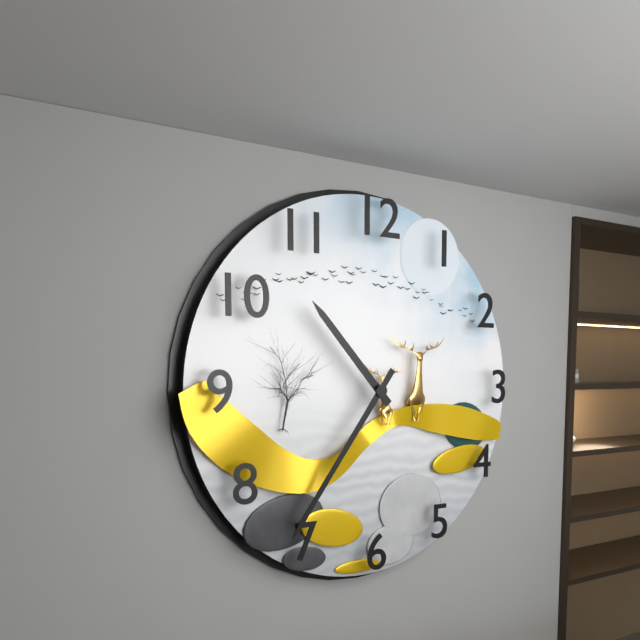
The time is 10:36
